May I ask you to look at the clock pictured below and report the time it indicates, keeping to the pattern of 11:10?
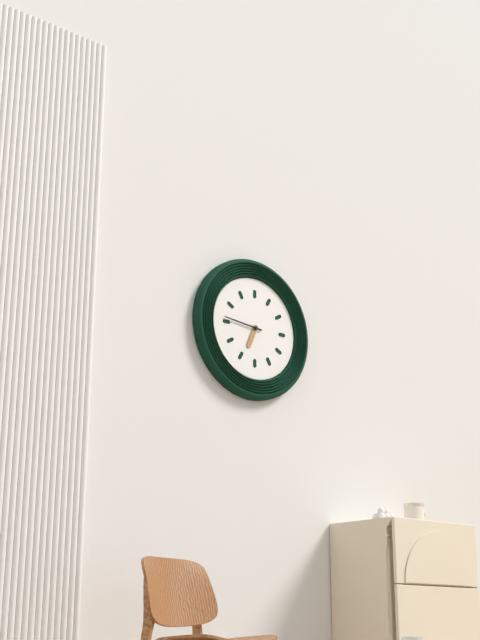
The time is 6:46
